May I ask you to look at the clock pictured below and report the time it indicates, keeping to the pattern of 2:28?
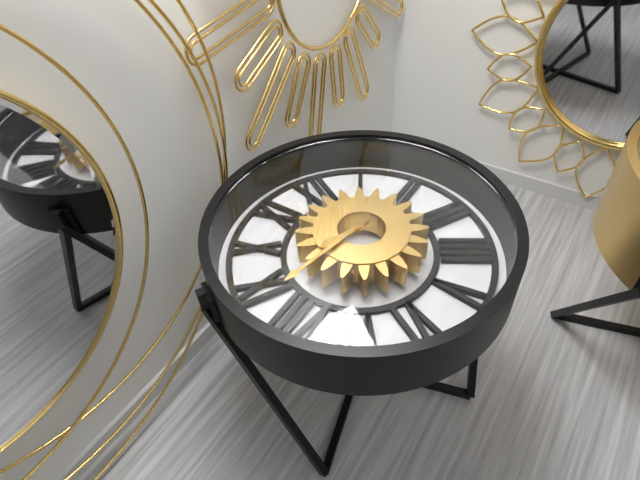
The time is 8:42
